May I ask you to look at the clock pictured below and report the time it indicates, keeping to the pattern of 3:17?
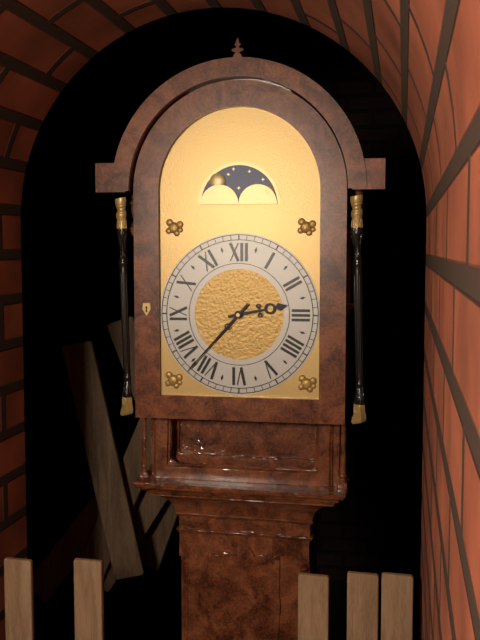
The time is 2:37
